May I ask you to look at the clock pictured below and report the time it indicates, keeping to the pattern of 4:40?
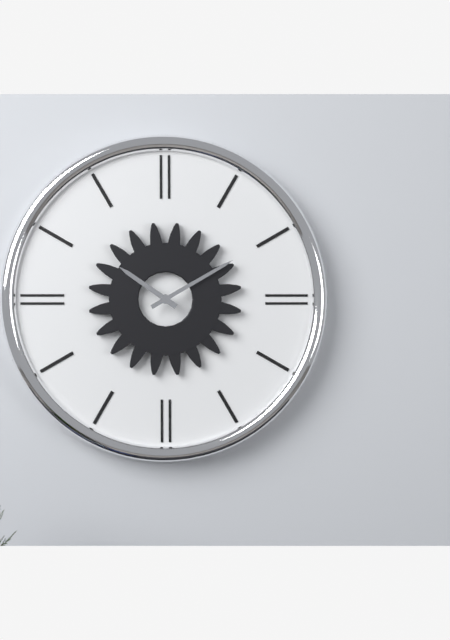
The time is 10:10
